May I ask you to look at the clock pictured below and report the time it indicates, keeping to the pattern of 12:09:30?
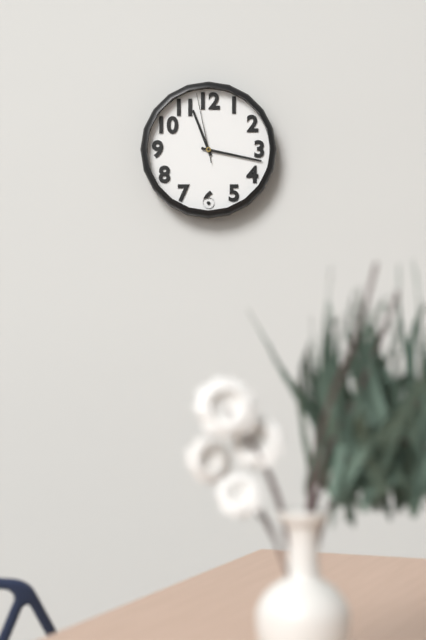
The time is 11:17:58
